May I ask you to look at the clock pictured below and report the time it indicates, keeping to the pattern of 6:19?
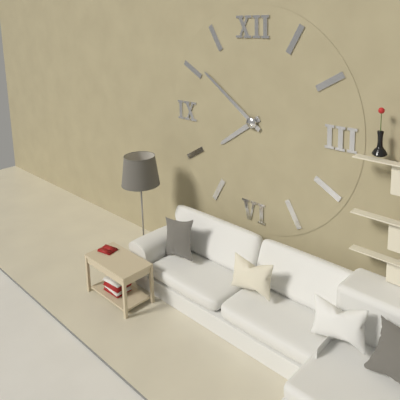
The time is 7:51
